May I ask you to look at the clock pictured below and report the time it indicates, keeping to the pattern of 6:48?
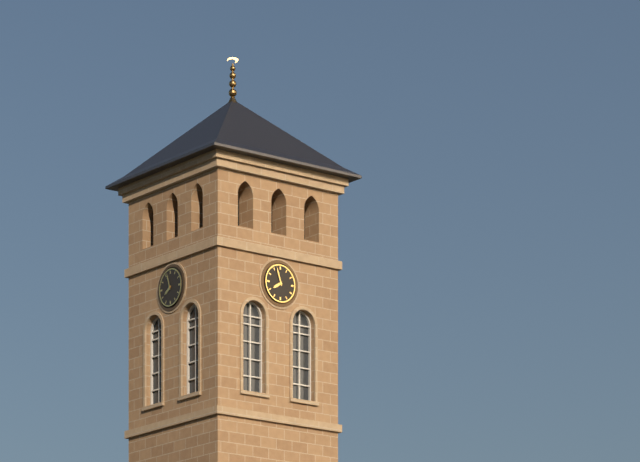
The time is 7:57
